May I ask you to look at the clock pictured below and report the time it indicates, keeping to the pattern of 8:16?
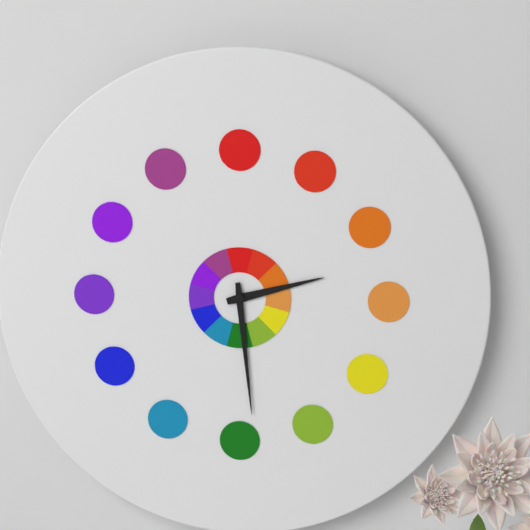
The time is 2:29
